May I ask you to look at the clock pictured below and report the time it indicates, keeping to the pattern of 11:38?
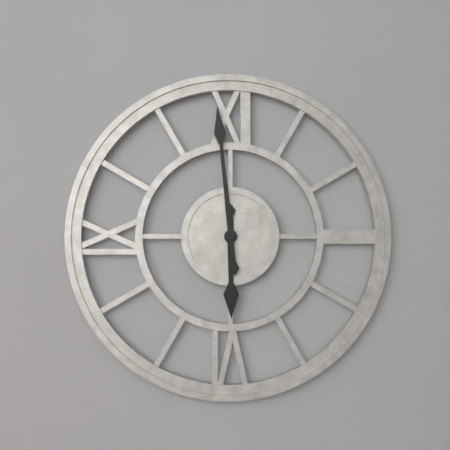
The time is 5:59
